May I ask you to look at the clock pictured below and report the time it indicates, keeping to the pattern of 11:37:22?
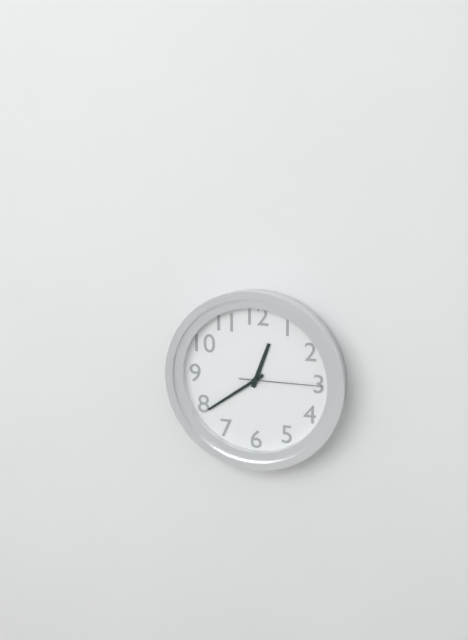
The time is 12:39:15
